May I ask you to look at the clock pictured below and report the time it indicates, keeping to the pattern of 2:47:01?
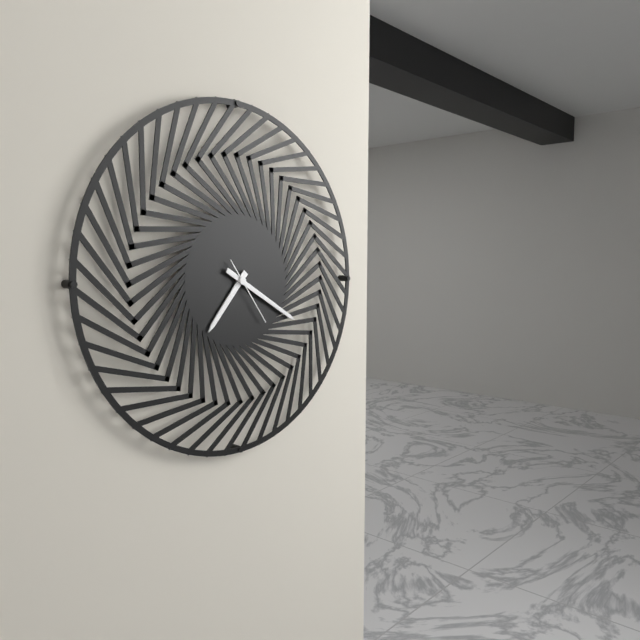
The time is 7:20:24
